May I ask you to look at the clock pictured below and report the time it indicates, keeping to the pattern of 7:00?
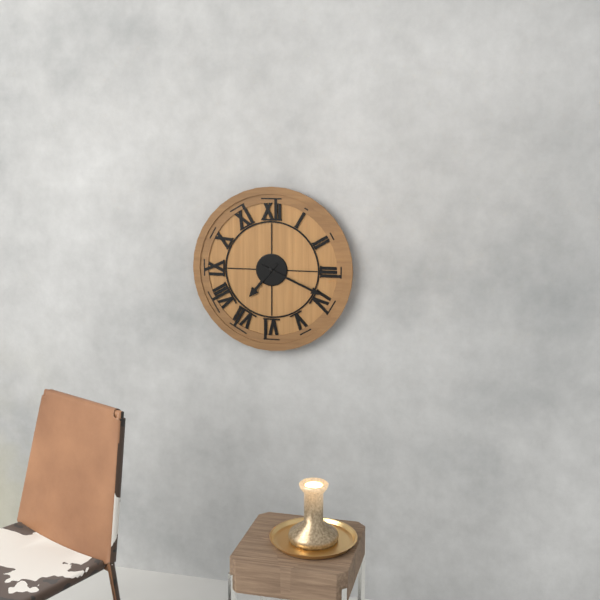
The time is 7:19
